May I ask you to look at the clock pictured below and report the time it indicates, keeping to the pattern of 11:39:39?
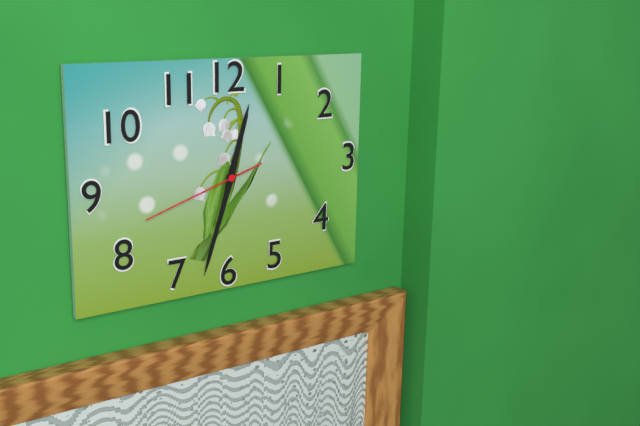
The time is 12:33:42
